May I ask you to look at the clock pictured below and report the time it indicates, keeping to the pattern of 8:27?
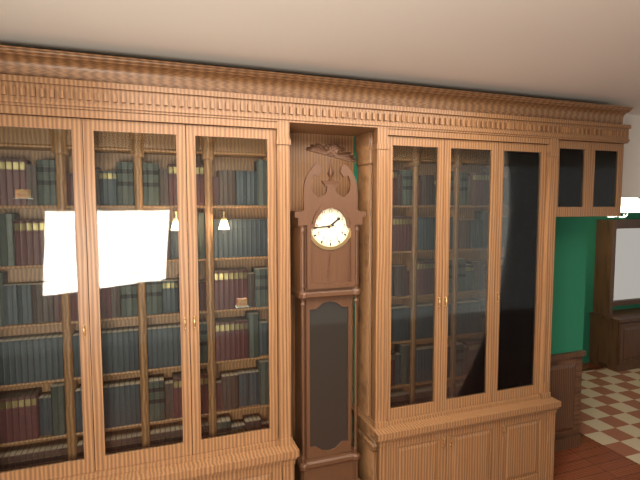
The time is 1:44
